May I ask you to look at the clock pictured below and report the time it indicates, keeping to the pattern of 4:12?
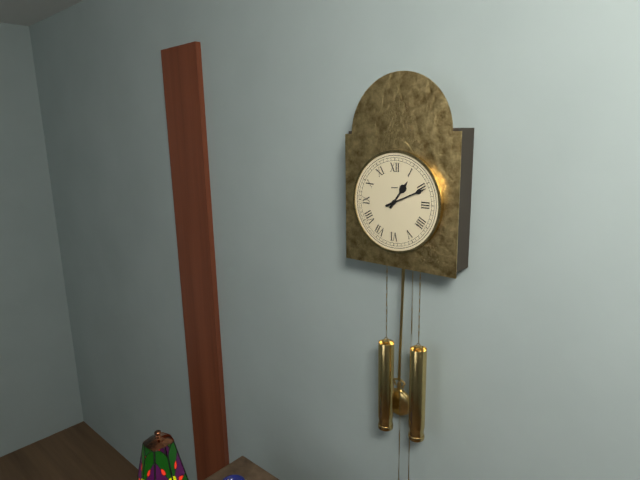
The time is 1:11
